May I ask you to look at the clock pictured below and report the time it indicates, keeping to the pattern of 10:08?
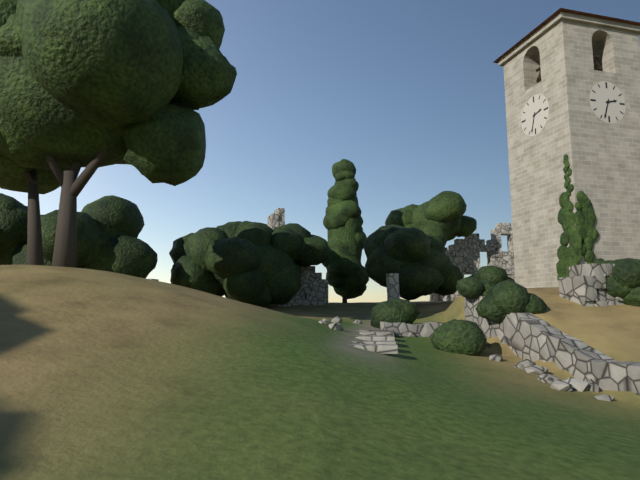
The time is 2:33
